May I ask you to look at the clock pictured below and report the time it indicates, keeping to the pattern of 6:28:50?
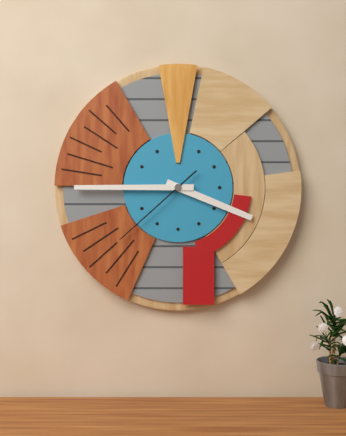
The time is 3:45:38
